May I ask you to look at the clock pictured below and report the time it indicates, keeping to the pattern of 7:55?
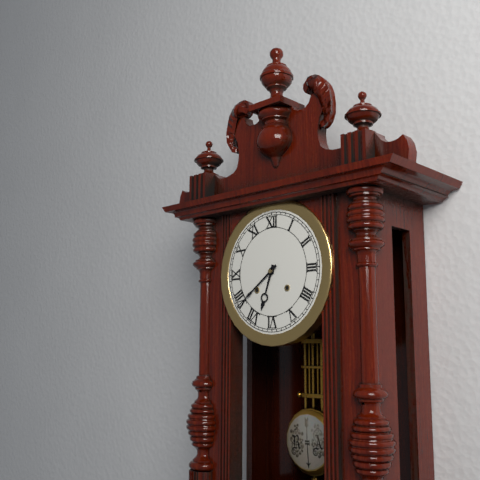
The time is 6:39
